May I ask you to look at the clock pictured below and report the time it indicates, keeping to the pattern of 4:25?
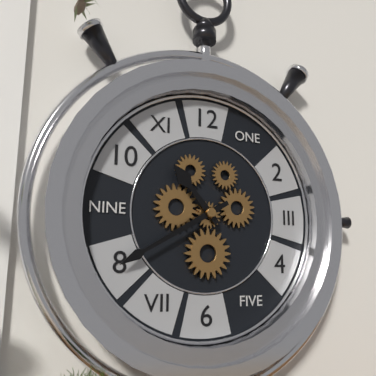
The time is 10:40
